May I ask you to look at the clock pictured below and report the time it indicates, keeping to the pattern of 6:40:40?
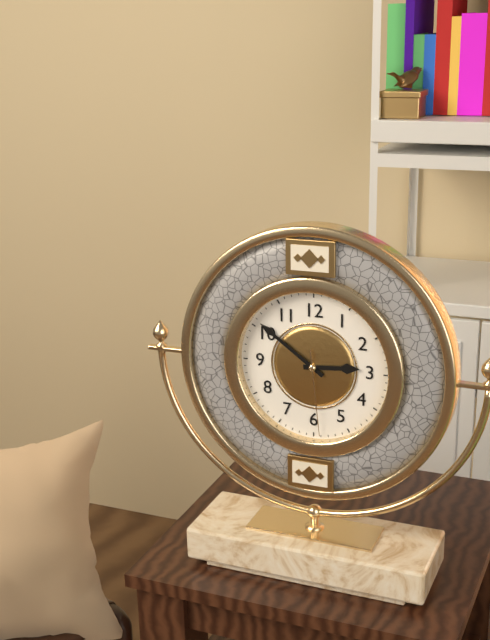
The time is 2:51:29
